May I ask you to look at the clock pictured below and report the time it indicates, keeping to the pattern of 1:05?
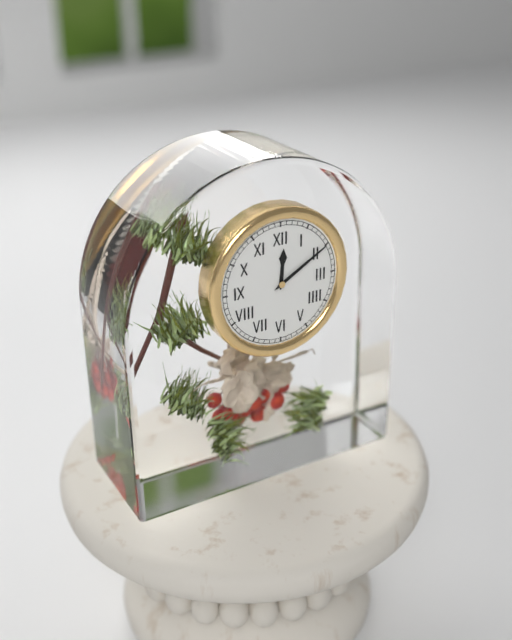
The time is 12:10
